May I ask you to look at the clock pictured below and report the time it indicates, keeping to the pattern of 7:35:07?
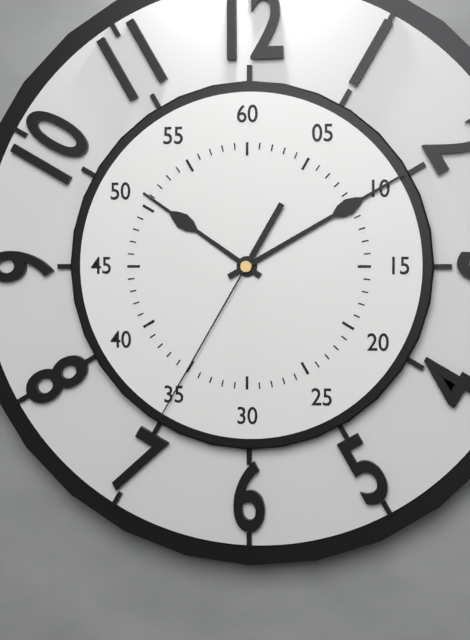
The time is 10:10:35
